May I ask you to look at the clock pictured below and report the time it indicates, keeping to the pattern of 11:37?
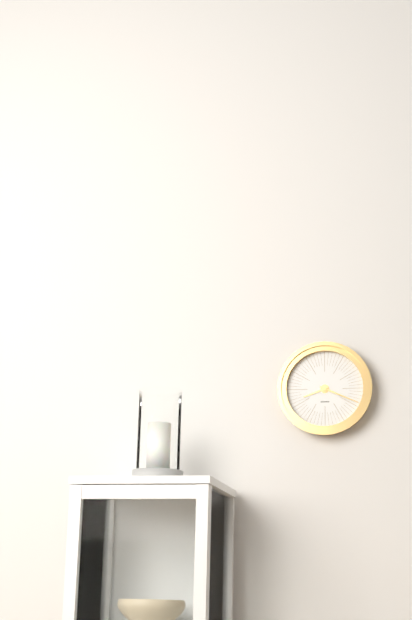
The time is 8:19
